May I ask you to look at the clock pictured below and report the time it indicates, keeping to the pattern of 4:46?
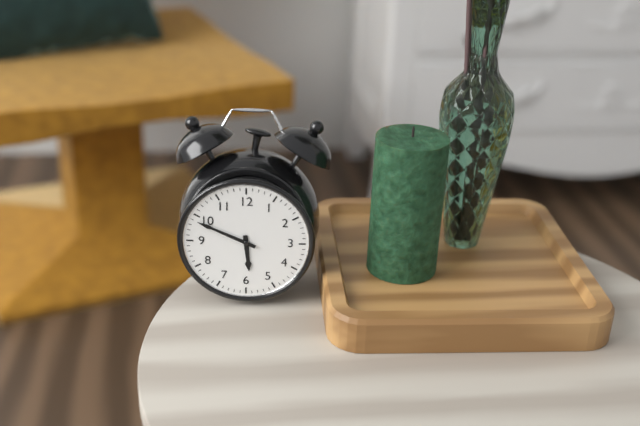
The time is 5:49
